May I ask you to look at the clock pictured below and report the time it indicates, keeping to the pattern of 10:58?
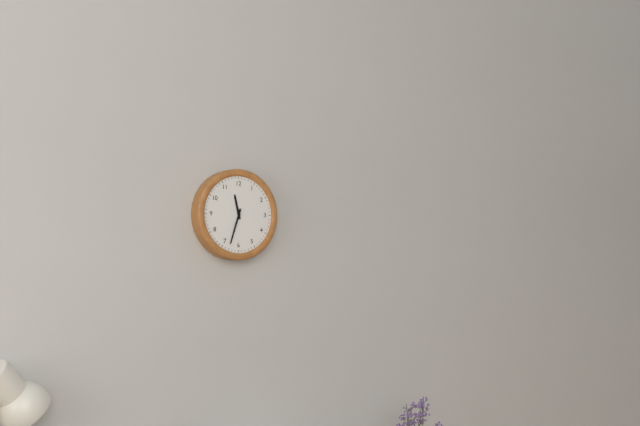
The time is 11:33
